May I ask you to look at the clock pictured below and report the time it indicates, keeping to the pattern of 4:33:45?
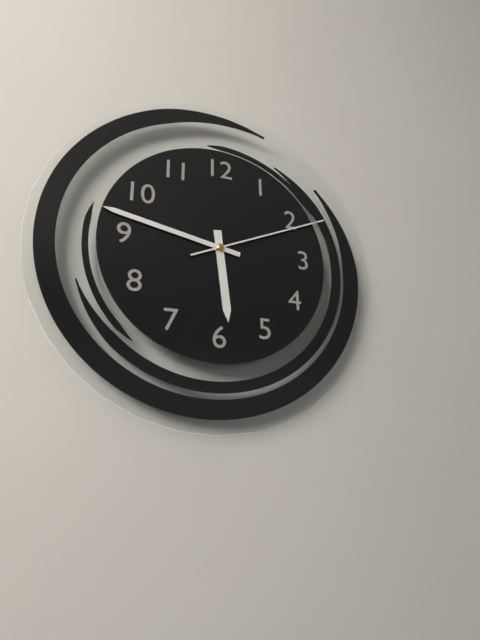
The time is 5:47:11
